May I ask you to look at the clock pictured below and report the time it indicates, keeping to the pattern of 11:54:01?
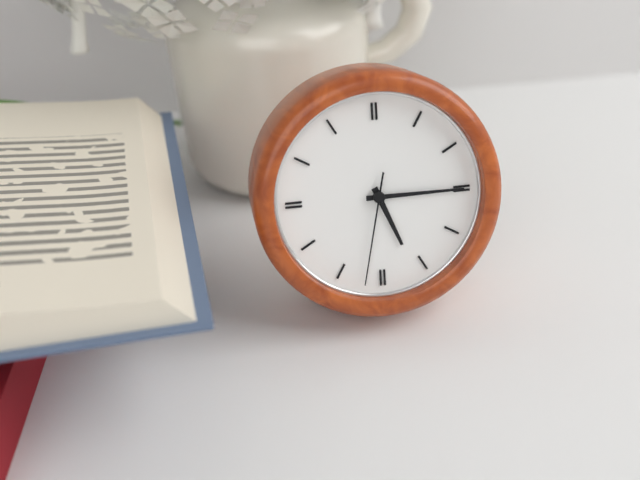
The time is 5:15:32
